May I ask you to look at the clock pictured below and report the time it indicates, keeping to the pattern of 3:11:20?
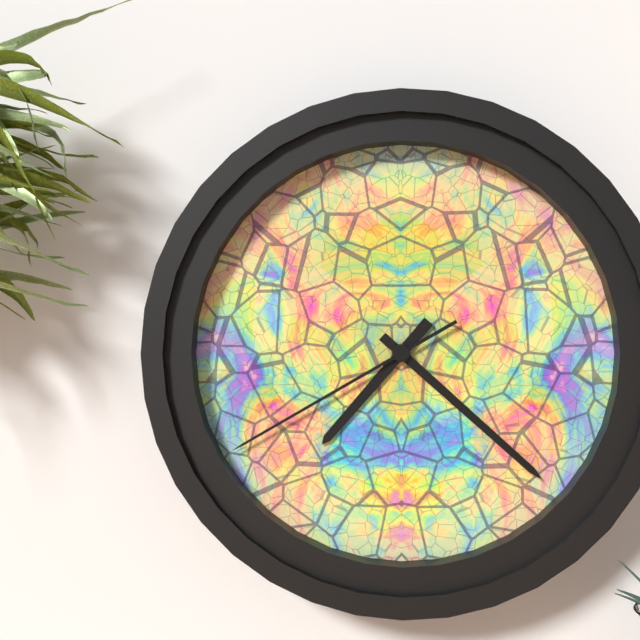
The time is 7:22:40
